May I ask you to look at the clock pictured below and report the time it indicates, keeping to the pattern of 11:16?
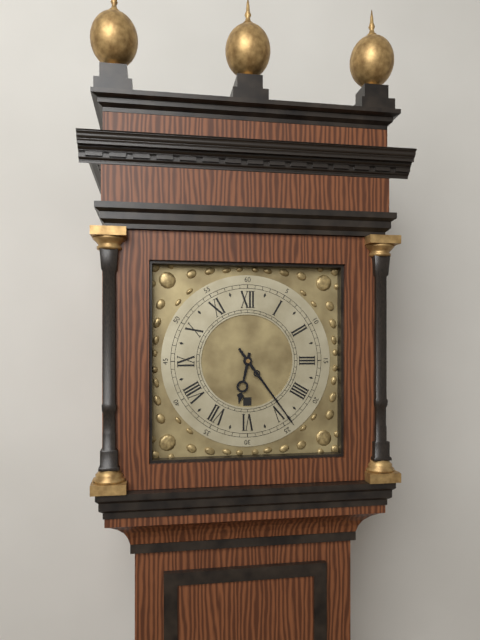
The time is 6:24
